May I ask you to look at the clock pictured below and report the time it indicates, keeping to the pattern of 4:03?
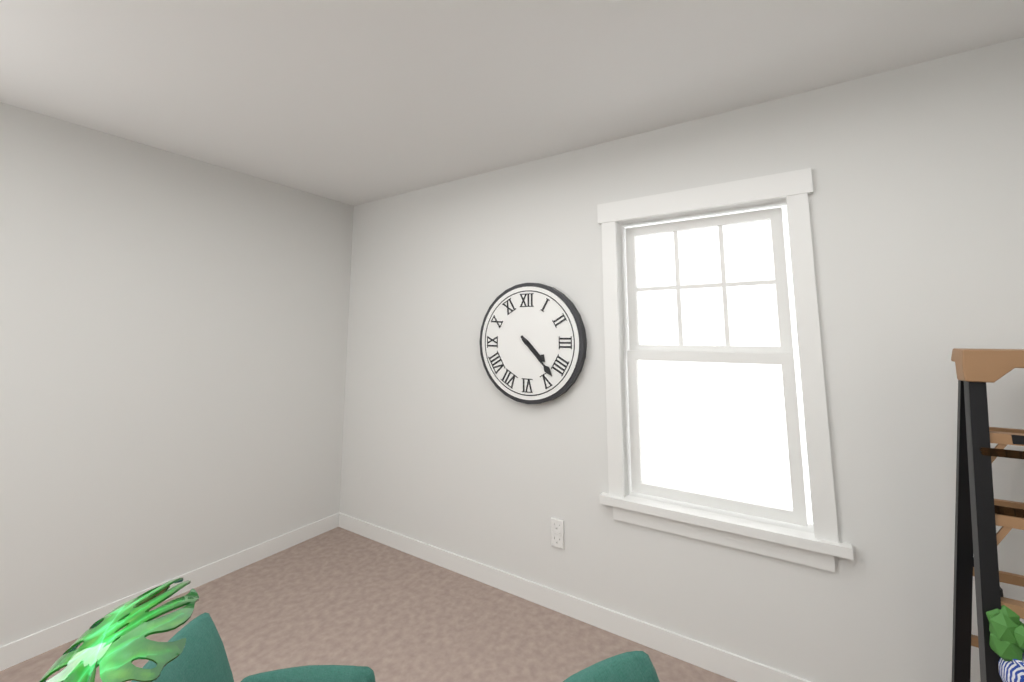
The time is 4:23
